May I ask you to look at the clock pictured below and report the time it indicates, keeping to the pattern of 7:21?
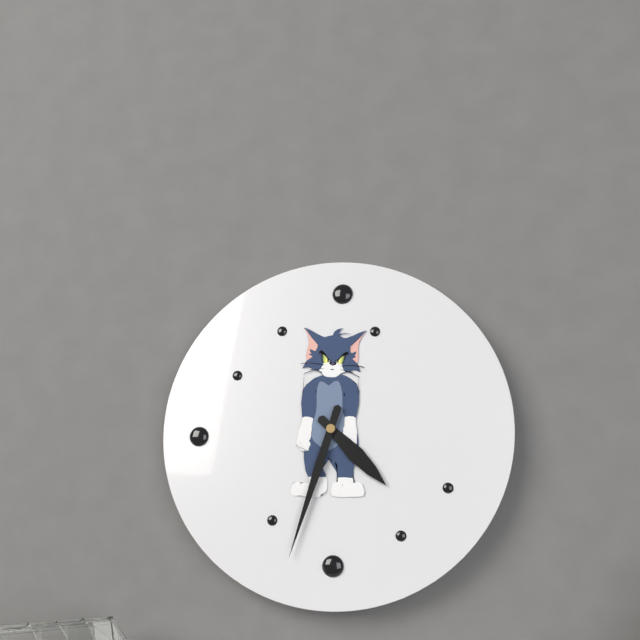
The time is 4:33
